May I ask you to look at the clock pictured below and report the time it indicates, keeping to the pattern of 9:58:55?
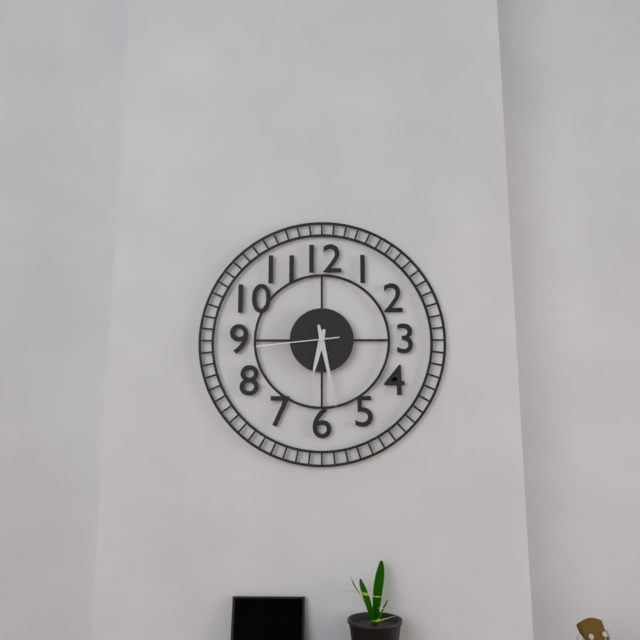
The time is 6:28:44
